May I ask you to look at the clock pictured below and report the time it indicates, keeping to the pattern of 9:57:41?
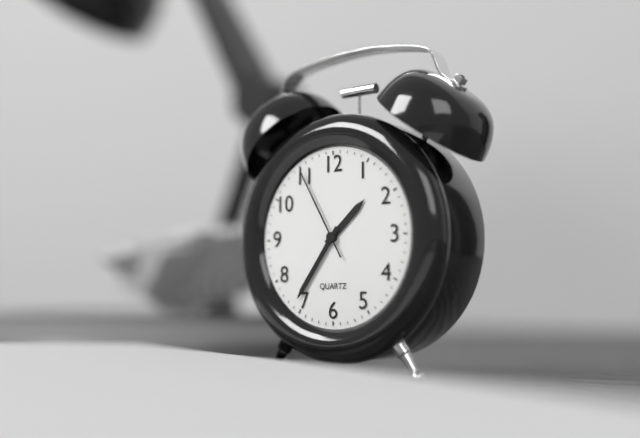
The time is 1:36:55
